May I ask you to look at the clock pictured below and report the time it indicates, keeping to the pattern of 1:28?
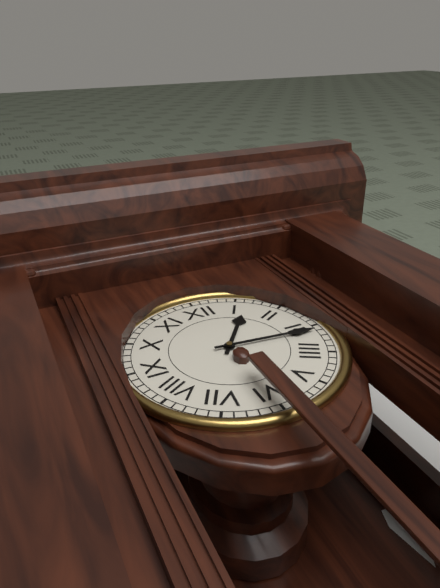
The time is 1:16
